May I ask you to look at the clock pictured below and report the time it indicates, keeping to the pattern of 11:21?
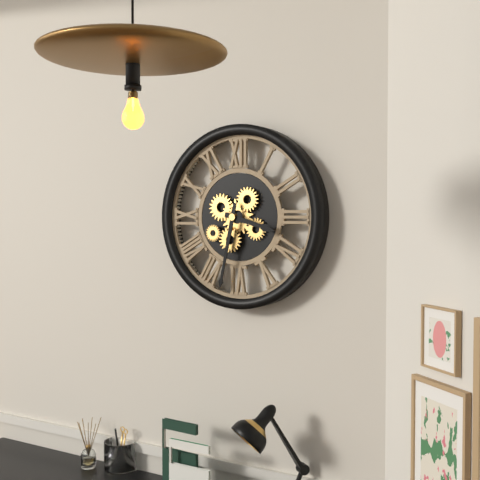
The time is 3:32
